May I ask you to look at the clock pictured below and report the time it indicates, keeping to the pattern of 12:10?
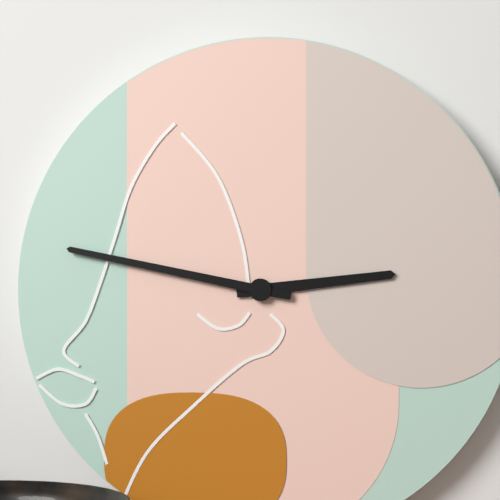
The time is 2:47
